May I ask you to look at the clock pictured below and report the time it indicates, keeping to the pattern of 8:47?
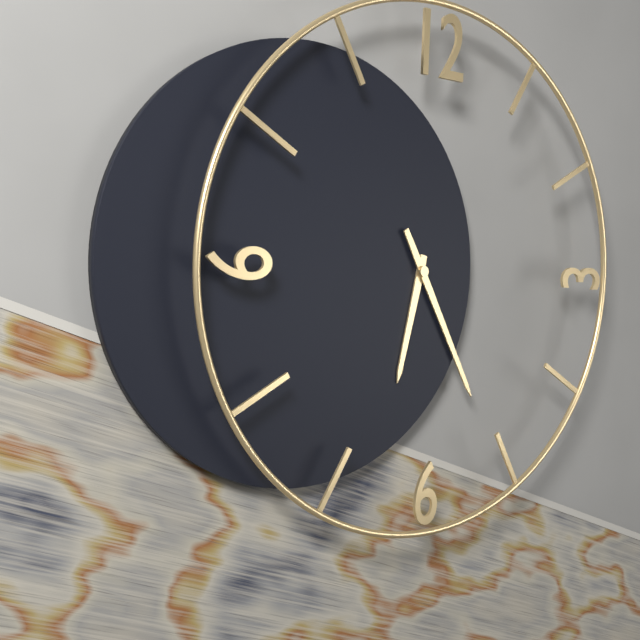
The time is 6:25
